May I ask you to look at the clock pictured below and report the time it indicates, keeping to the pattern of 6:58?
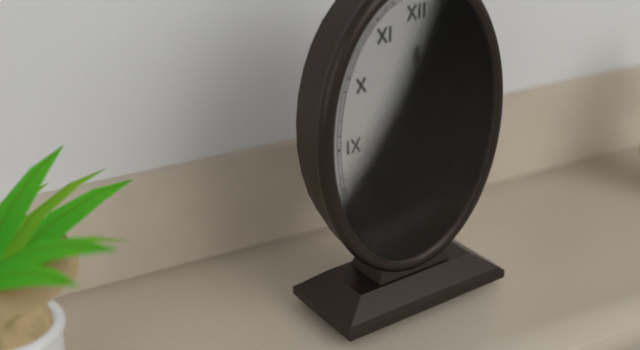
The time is 7:00
